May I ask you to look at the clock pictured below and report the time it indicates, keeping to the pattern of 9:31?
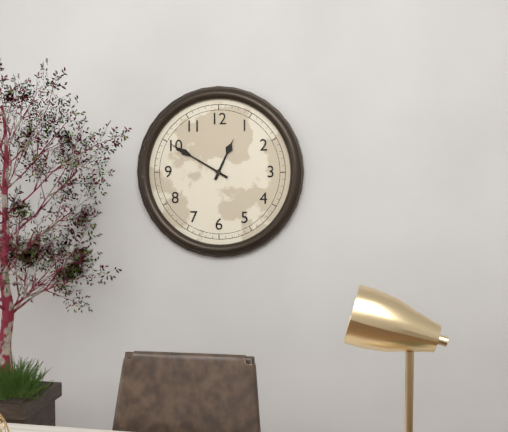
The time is 12:50
